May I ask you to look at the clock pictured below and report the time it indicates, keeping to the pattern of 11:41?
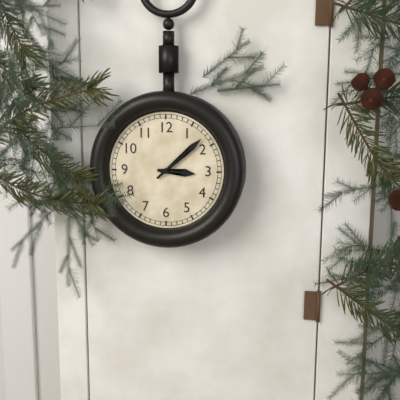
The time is 3:08
